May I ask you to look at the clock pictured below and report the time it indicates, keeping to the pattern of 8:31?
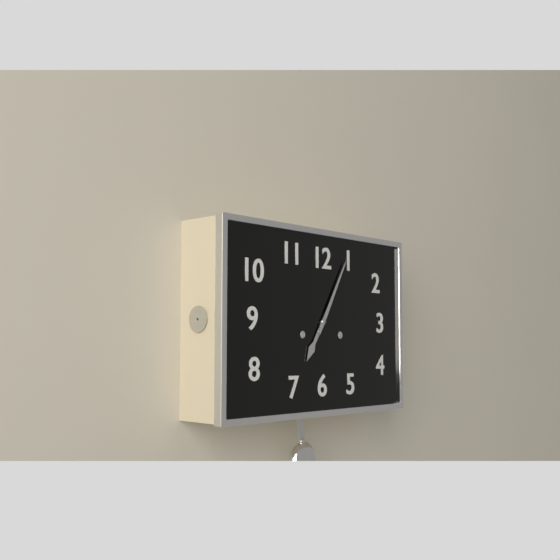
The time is 7:05
